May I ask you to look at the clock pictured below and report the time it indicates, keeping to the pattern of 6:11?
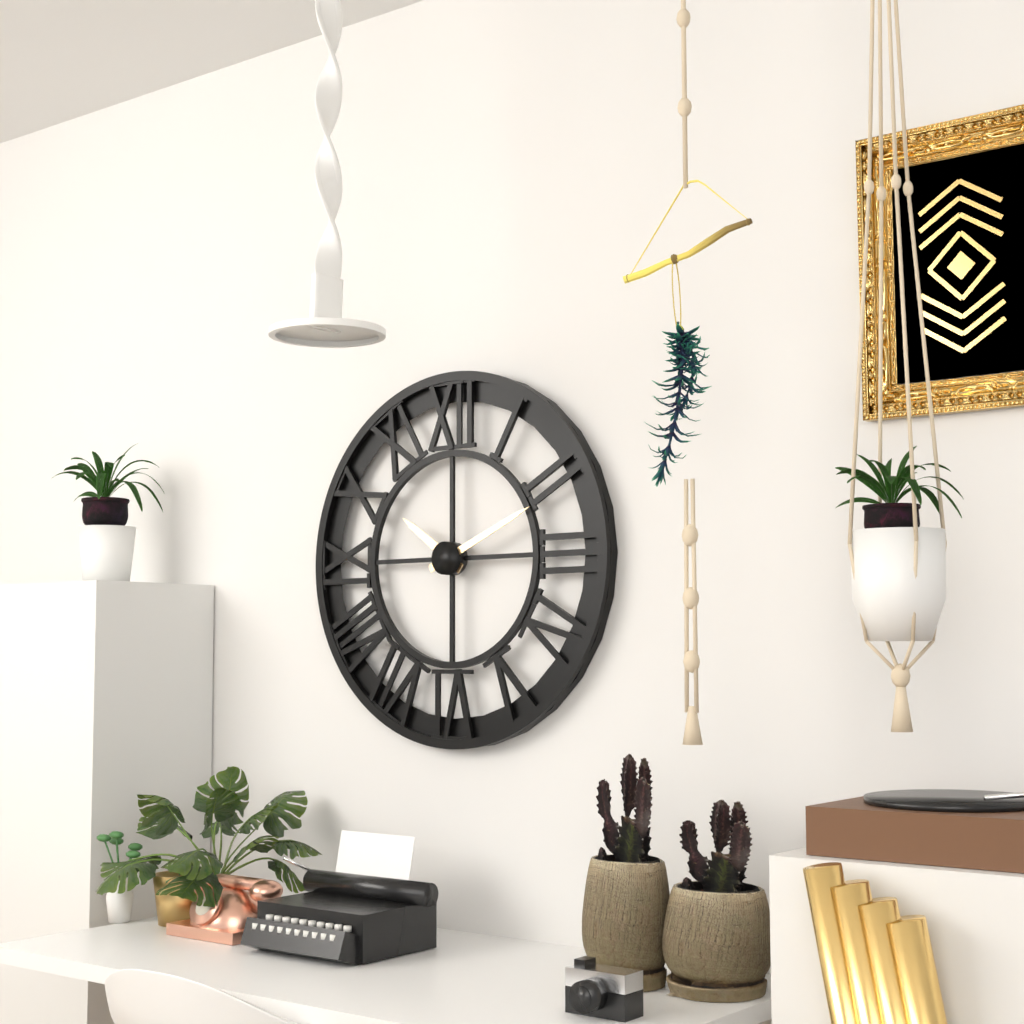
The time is 10:11
